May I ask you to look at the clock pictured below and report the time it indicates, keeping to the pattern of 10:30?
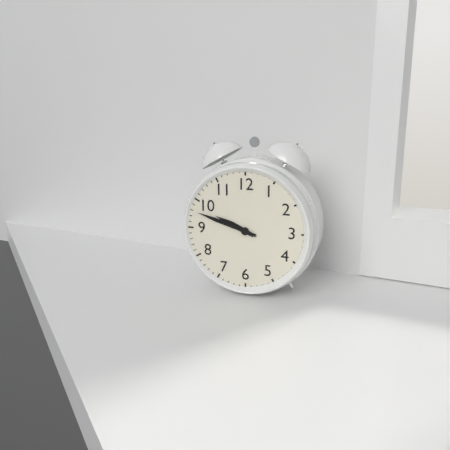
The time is 9:48
